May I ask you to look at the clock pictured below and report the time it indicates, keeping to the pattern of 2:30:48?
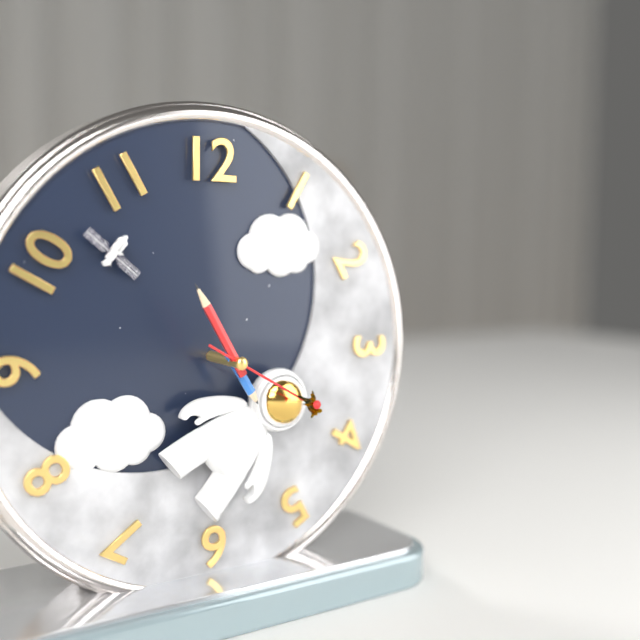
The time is 4:55:20
